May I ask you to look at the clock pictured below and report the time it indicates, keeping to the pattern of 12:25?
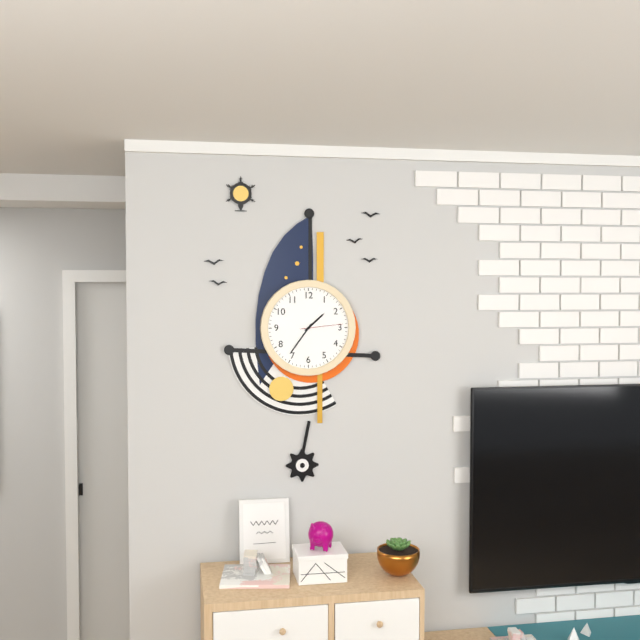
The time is 1:36
